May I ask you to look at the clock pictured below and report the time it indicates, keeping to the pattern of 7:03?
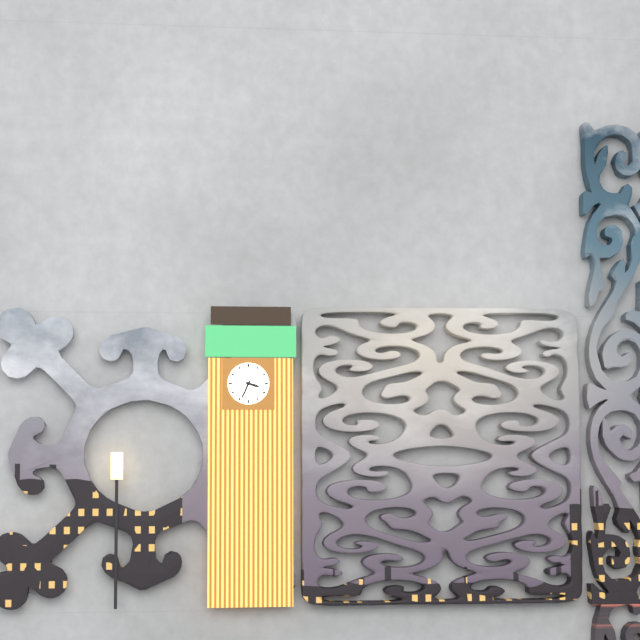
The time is 3:34
